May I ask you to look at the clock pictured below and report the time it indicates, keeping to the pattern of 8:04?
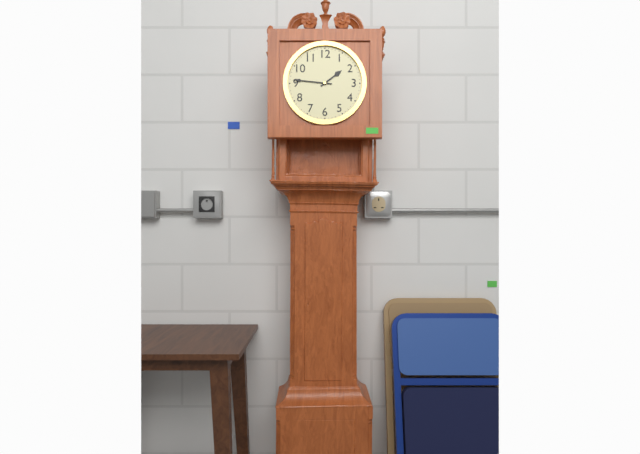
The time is 1:46
